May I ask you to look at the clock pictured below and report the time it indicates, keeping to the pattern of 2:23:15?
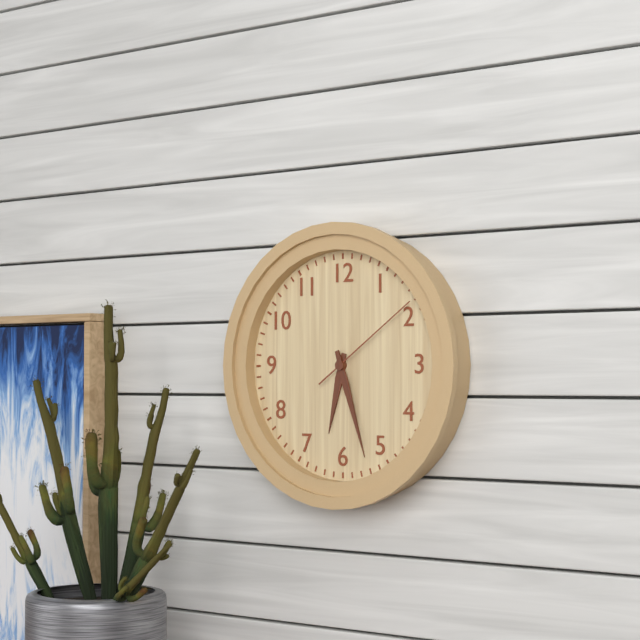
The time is 6:27:09
